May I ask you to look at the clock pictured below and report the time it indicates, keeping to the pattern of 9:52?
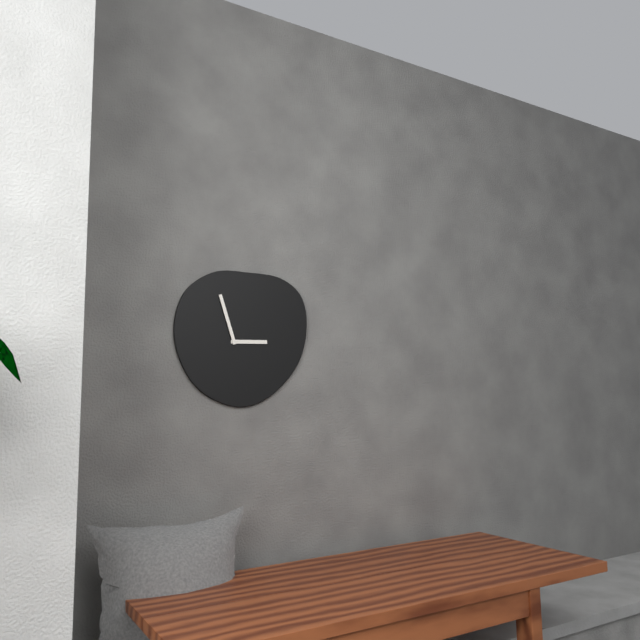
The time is 2:57
